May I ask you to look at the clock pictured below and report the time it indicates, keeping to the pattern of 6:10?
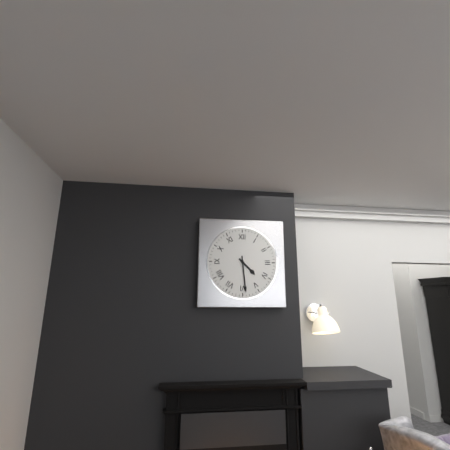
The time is 4:29
